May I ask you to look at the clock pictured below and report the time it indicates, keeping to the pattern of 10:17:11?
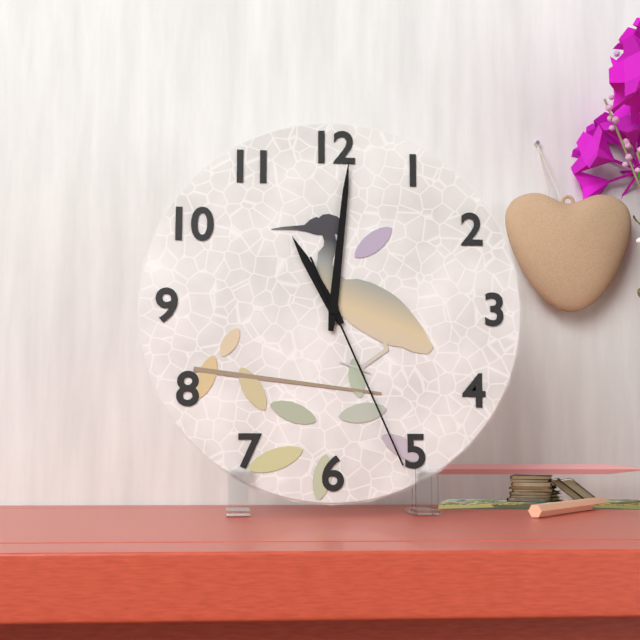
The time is 11:01:26
